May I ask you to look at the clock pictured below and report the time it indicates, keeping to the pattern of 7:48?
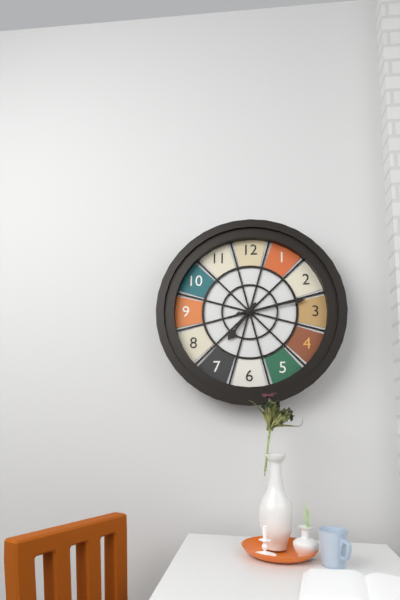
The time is 7:13
